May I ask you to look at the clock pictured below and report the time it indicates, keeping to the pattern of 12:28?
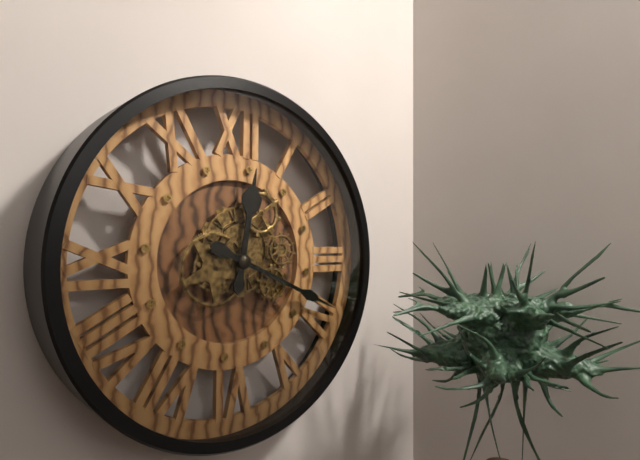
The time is 12:19
